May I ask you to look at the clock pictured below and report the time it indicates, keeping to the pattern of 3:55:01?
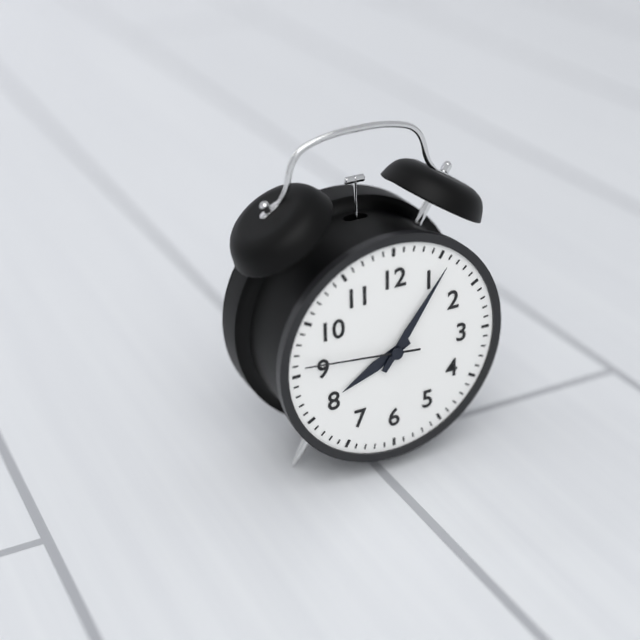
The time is 8:06:46
